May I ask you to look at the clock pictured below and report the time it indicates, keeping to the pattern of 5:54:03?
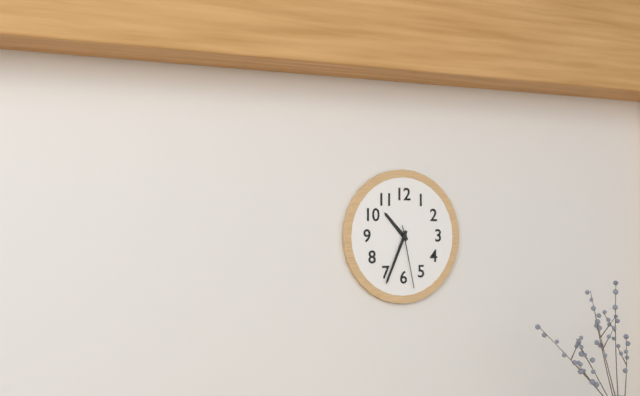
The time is 10:34:28
